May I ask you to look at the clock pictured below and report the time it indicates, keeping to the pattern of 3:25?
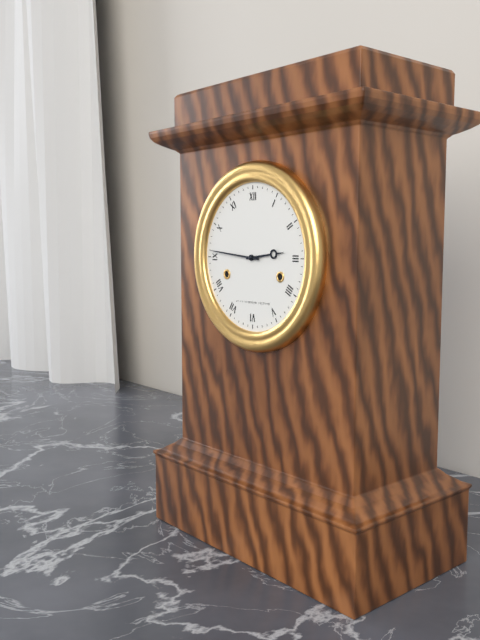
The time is 2:46
